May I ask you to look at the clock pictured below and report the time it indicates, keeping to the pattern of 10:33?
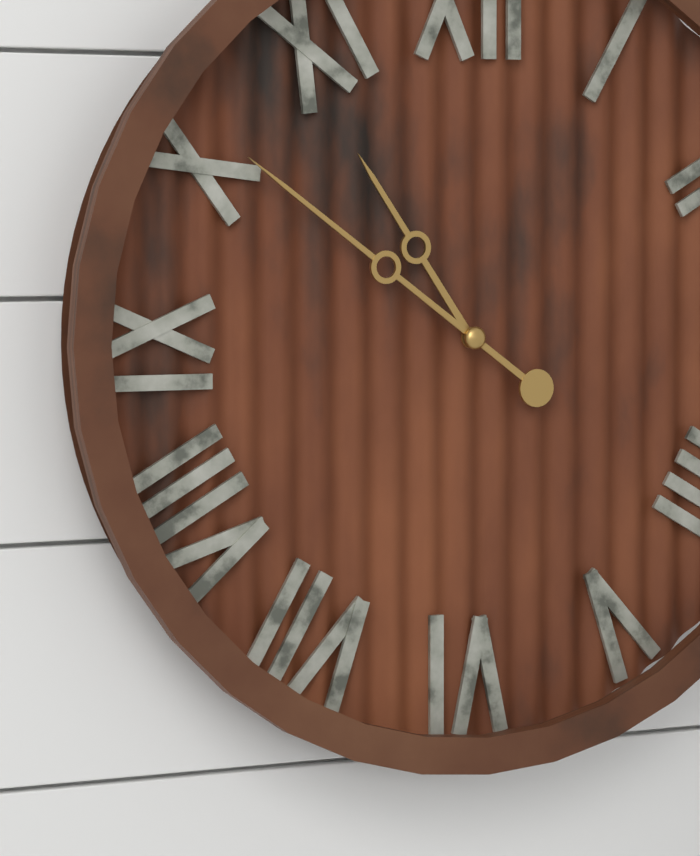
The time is 10:51
